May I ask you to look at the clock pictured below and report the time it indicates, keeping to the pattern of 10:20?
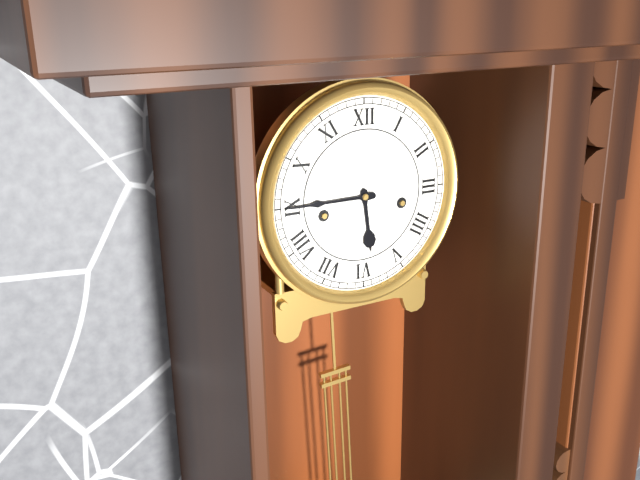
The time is 5:45
